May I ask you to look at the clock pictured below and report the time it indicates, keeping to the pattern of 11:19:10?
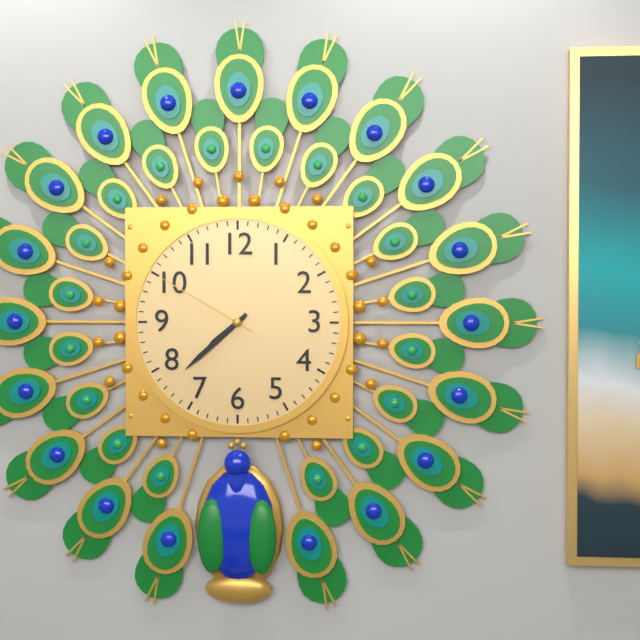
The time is 7:38:50
